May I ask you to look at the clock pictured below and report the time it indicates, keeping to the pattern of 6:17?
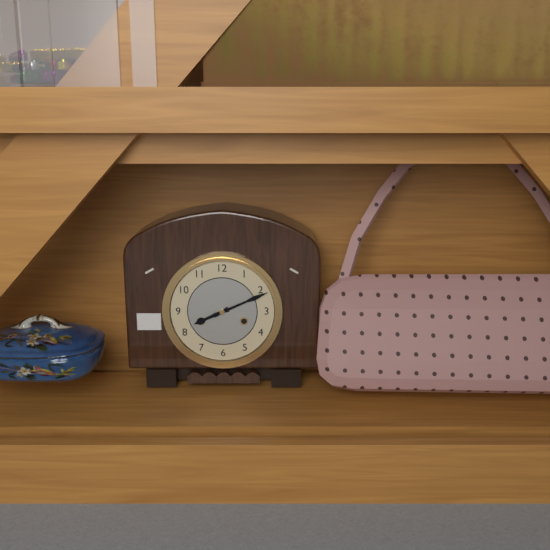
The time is 8:11
